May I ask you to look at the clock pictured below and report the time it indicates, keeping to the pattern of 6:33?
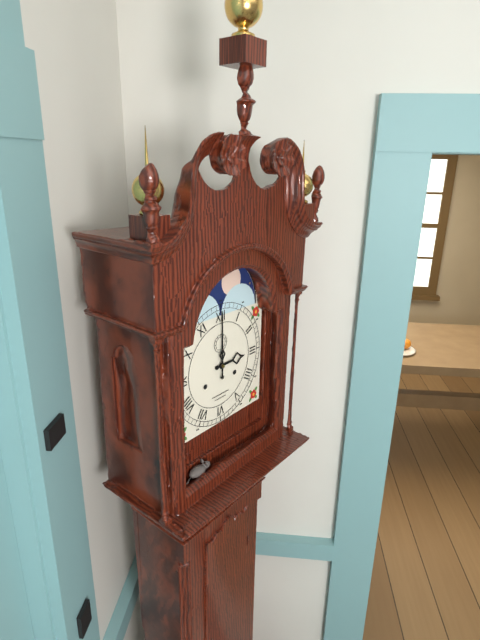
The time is 3:00
